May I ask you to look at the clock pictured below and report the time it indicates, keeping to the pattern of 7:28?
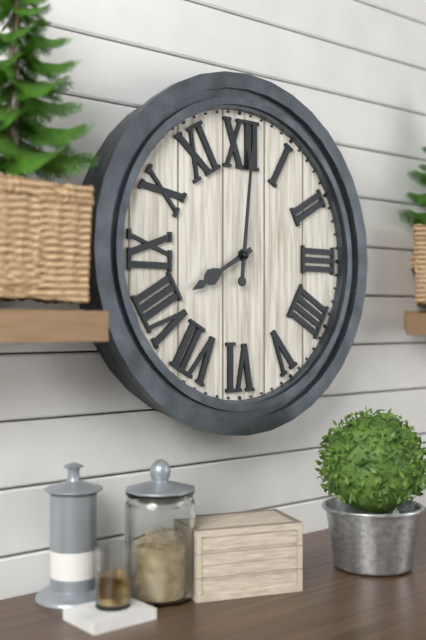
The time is 8:01
